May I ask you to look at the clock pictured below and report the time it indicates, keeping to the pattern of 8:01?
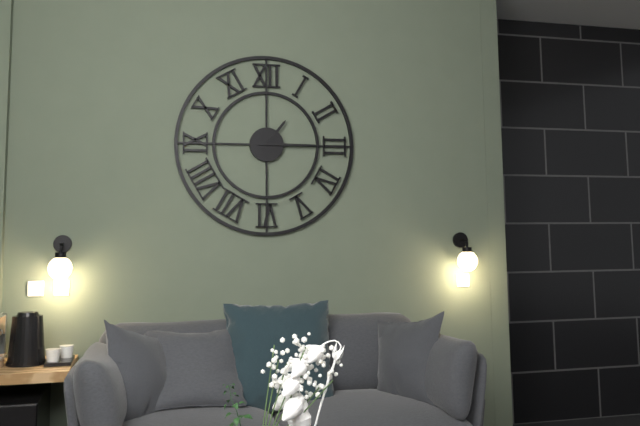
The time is 1:15
